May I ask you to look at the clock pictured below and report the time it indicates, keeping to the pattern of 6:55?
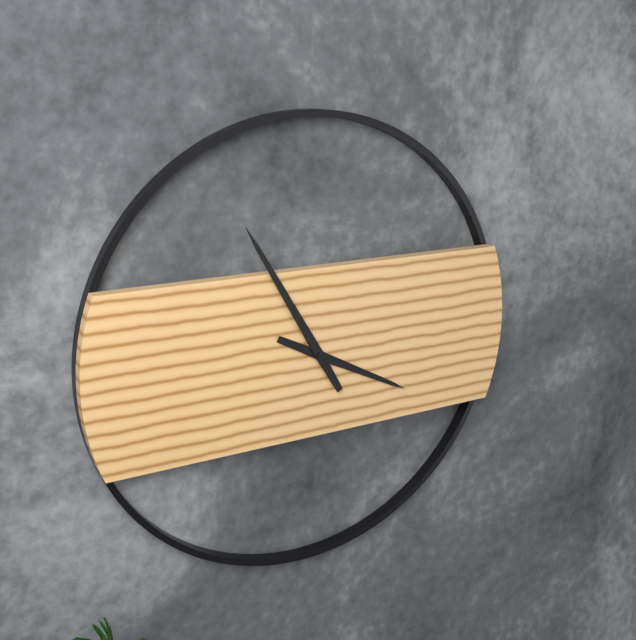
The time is 3:55
